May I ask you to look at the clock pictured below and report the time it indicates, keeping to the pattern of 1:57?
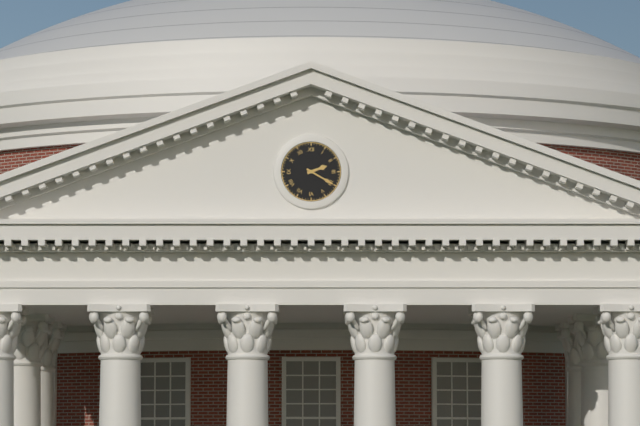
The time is 2:20
